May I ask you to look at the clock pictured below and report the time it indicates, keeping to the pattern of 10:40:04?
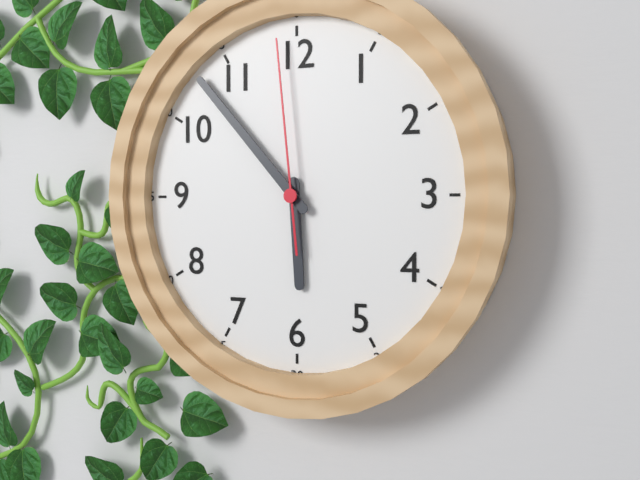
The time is 5:53:59
